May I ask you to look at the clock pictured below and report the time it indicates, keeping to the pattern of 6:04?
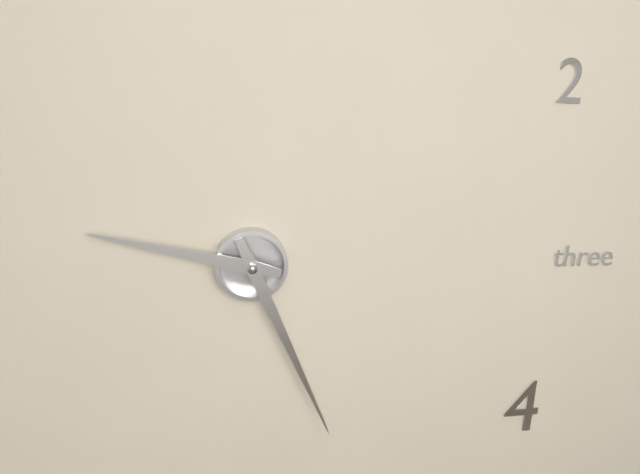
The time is 9:26
